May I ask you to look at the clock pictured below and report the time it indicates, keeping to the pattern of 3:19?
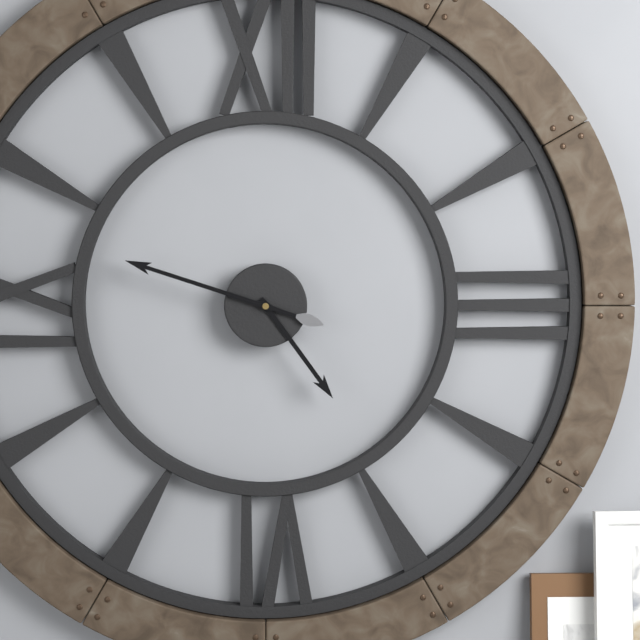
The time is 4:48
